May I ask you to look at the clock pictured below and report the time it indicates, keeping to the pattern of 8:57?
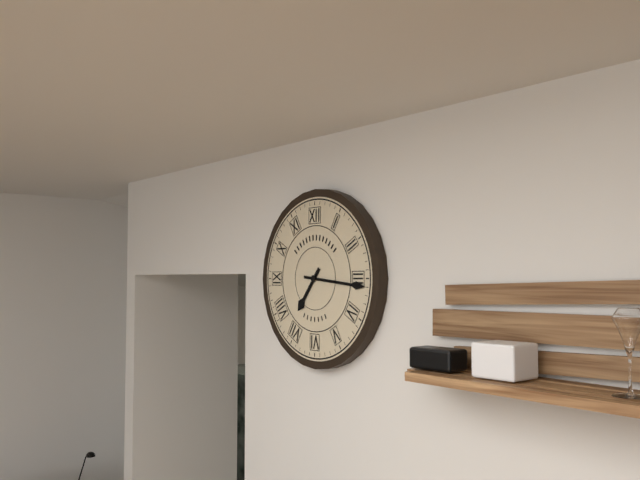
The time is 7:16
